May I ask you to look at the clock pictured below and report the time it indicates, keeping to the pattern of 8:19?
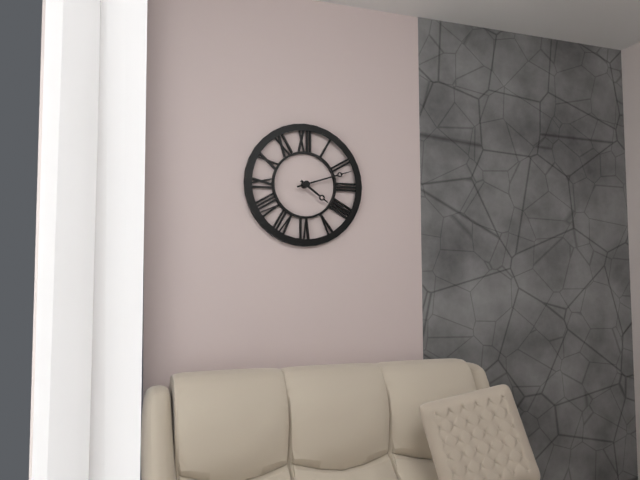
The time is 4:12
